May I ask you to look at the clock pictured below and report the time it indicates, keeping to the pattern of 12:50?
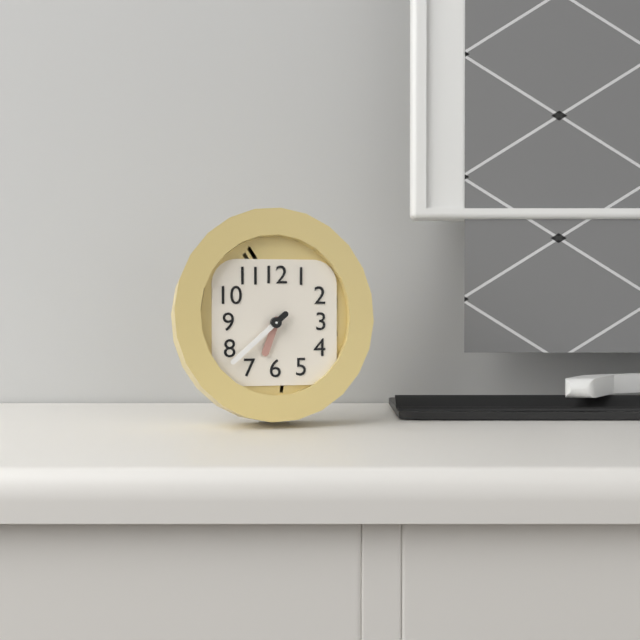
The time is 6:38
